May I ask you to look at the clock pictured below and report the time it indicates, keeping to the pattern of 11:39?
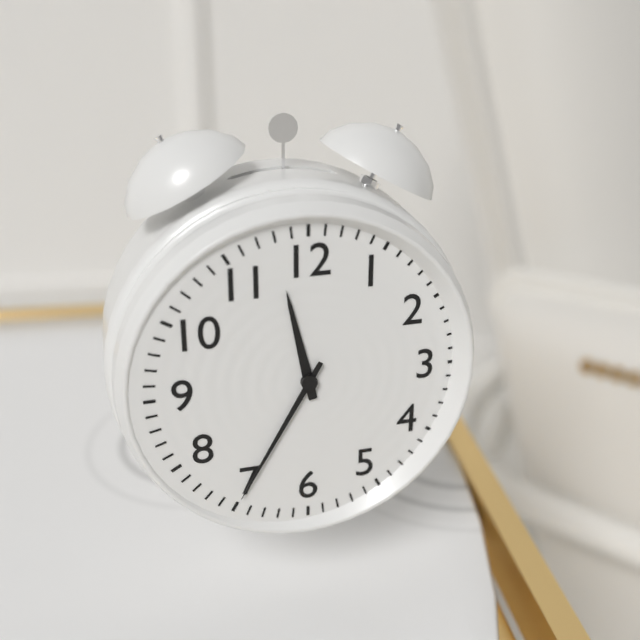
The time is 11:35
